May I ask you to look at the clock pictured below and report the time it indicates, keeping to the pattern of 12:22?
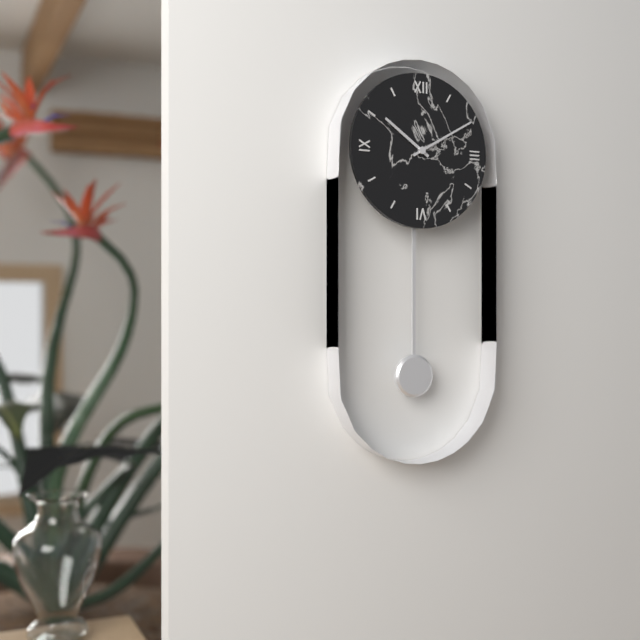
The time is 10:10
